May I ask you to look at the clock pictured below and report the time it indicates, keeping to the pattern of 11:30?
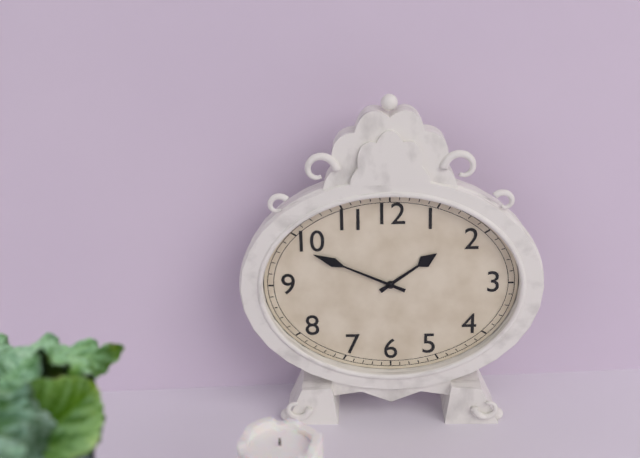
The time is 1:49
